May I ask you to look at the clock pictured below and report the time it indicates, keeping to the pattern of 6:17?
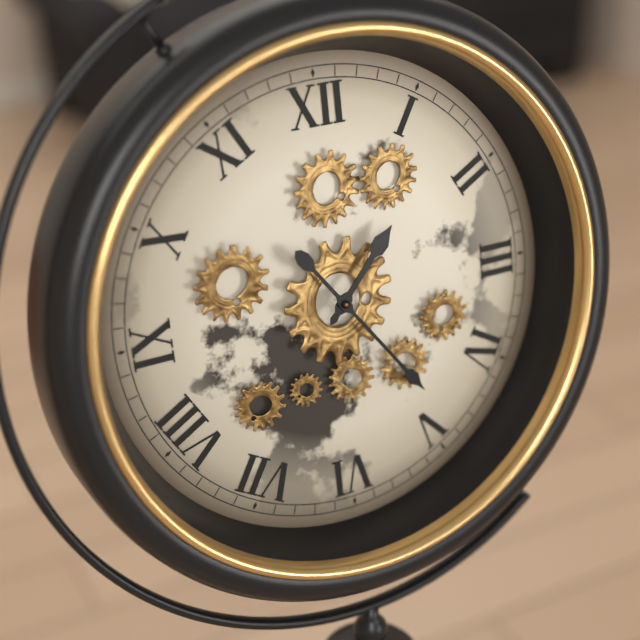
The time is 1:24
